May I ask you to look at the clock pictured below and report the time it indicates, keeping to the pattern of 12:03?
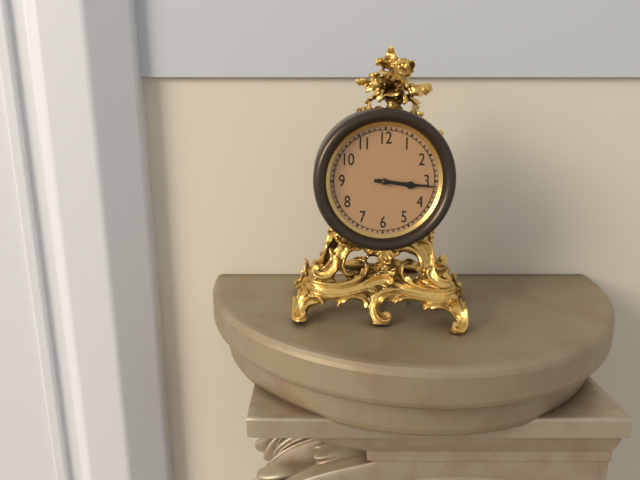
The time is 3:16
